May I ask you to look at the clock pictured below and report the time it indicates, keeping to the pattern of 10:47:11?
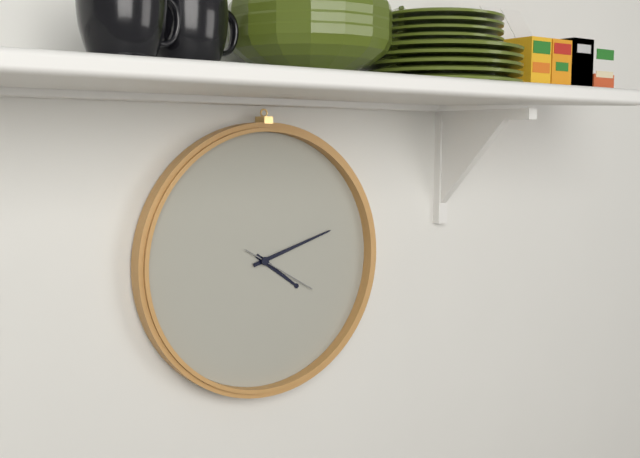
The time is 4:12:20
